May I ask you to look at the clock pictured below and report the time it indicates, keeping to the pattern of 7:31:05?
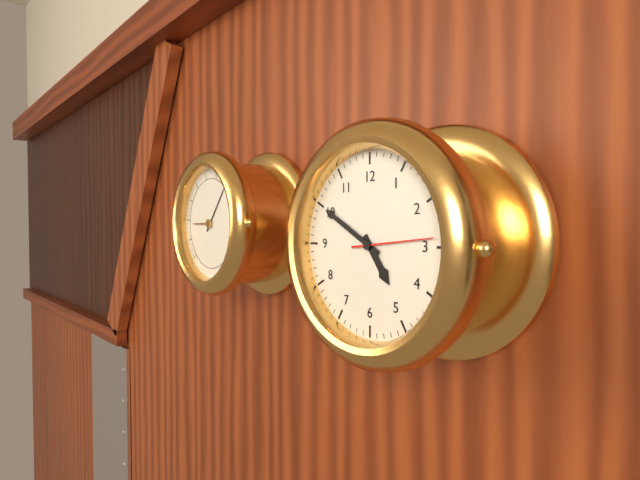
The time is 4:50:14
